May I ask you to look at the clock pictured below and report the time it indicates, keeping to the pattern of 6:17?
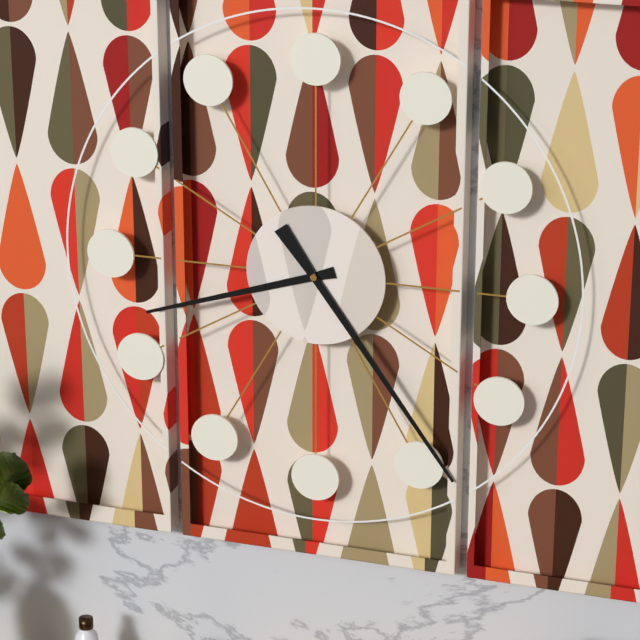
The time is 8:24
